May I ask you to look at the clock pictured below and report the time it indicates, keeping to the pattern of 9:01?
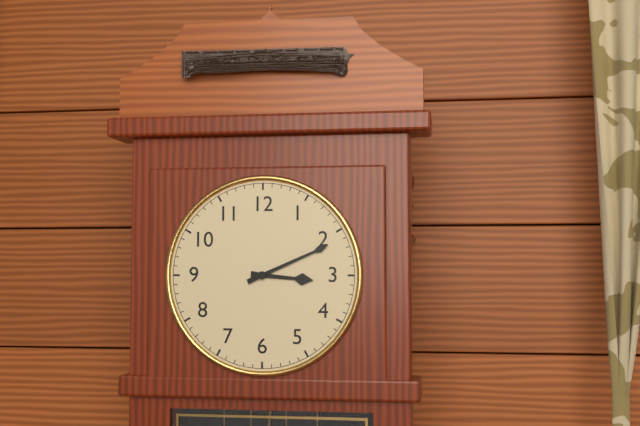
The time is 3:11
